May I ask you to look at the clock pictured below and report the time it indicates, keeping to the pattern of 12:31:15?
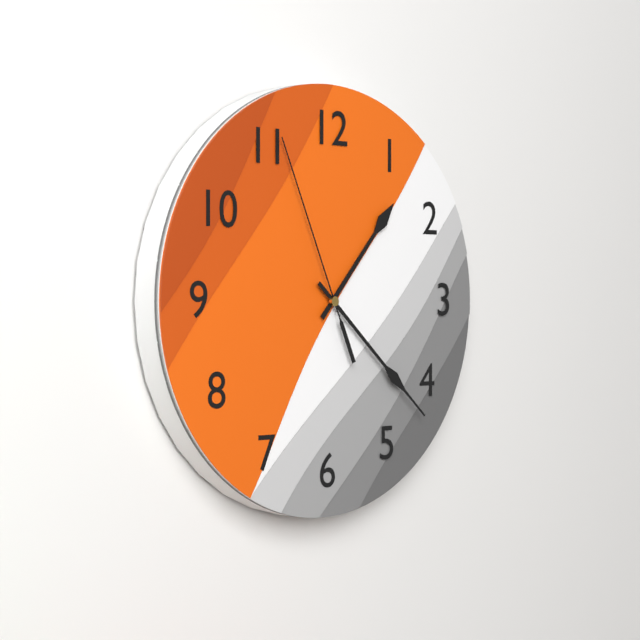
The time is 1:22:56
